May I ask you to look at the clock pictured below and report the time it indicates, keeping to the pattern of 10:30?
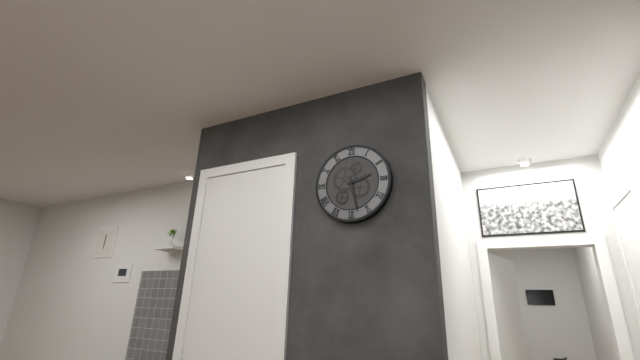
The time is 2:28
